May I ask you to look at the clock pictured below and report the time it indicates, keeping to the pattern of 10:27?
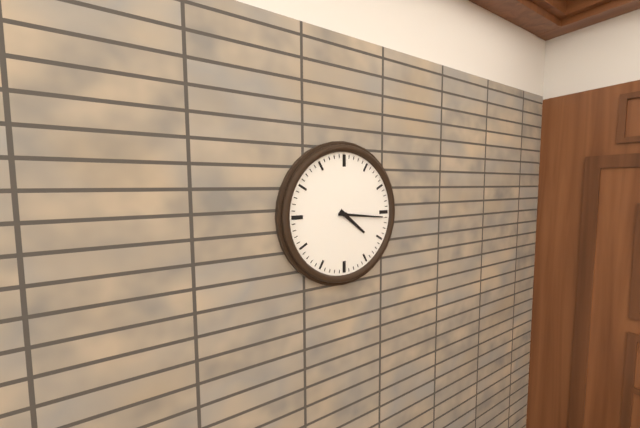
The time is 4:16
